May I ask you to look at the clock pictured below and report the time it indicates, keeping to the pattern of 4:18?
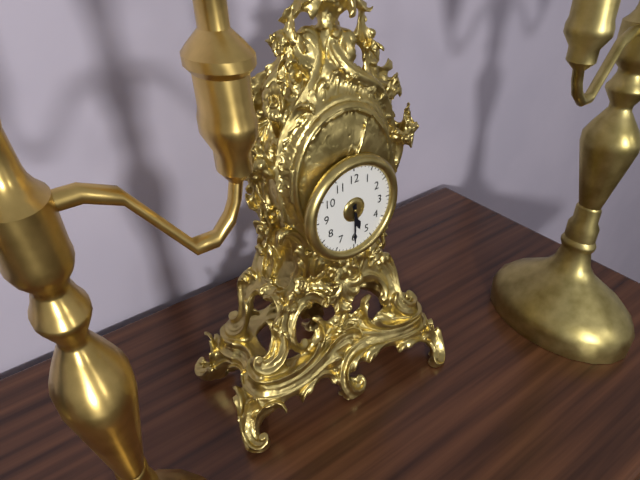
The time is 5:30
